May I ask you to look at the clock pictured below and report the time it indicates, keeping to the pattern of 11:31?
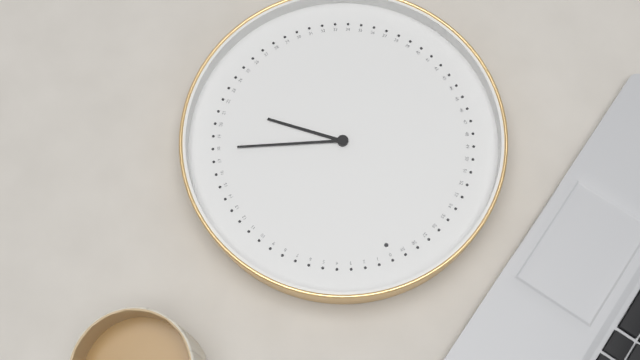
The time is 4:18
